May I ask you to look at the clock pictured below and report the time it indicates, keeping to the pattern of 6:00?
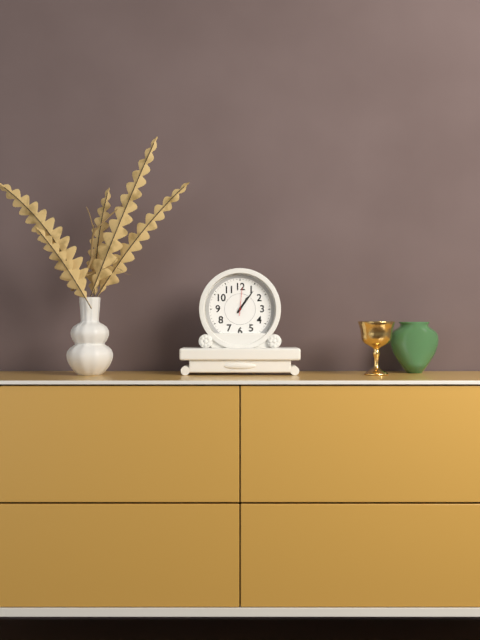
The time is 1:06
